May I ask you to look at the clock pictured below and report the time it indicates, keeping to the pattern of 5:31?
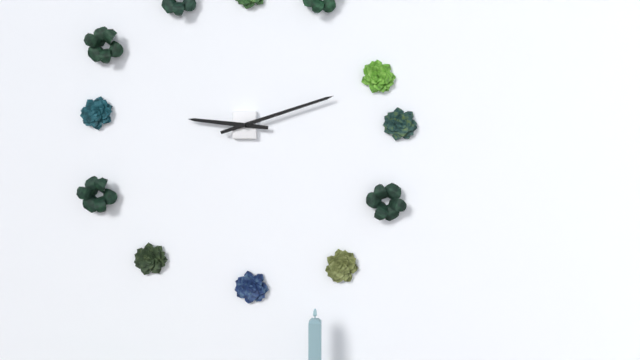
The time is 9:12
